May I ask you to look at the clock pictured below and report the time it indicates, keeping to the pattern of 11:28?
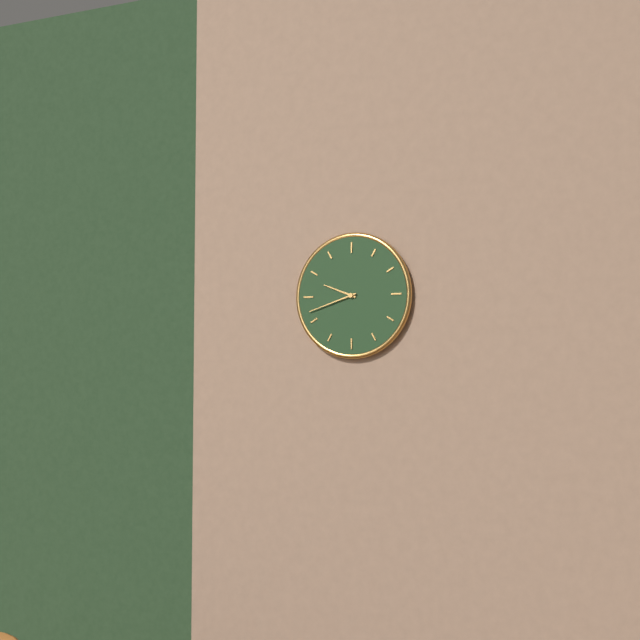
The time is 9:42
